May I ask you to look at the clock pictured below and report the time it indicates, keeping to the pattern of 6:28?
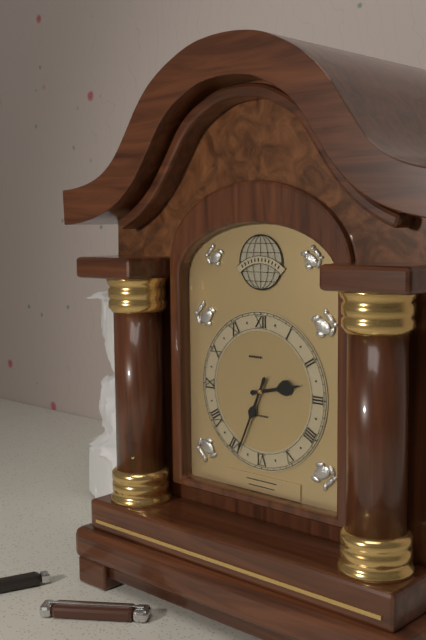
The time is 2:34
